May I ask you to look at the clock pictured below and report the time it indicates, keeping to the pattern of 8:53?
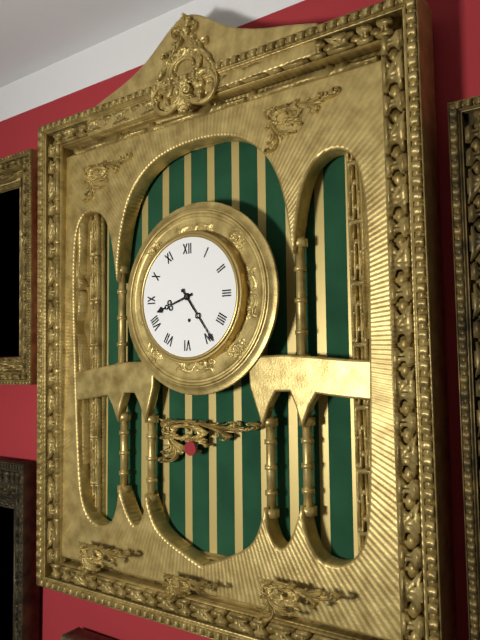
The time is 8:24
